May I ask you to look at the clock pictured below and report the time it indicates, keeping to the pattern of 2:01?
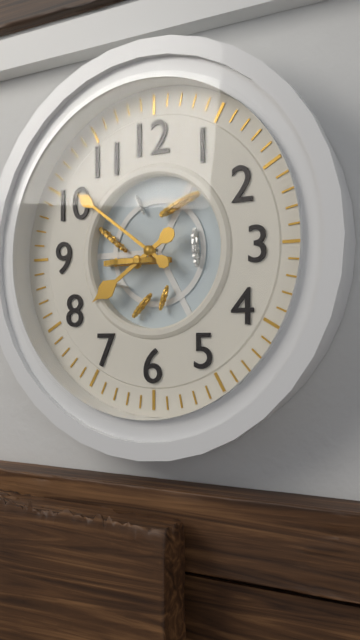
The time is 7:51
